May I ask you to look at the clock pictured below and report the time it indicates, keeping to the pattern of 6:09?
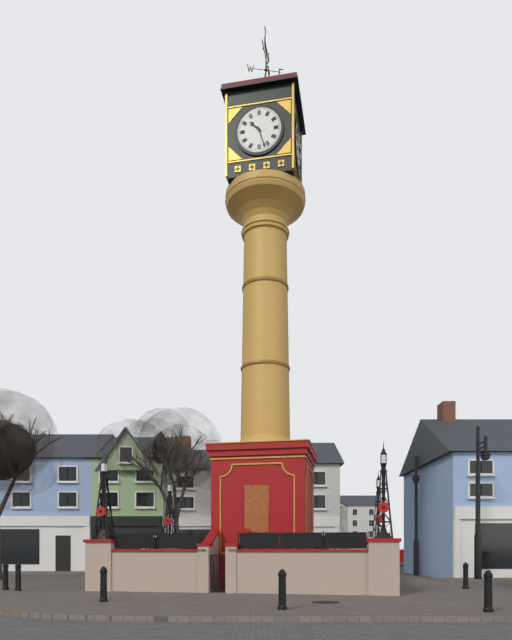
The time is 10:27
